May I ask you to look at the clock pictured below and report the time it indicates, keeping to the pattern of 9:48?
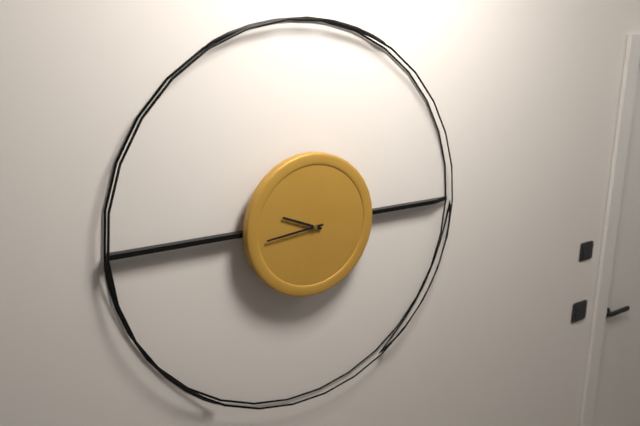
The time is 9:44
